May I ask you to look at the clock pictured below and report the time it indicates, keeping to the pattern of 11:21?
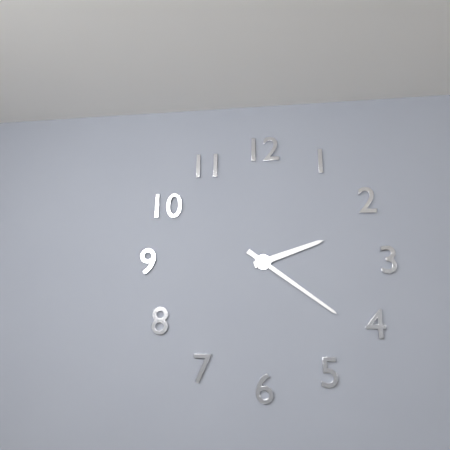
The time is 2:21
